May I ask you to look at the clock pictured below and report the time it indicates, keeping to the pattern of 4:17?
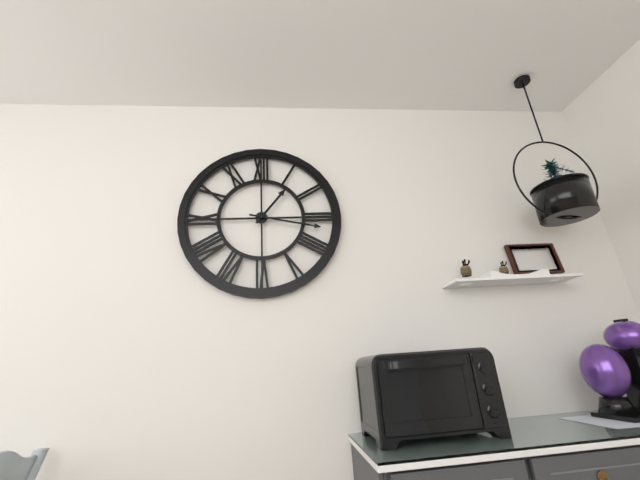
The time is 1:17
